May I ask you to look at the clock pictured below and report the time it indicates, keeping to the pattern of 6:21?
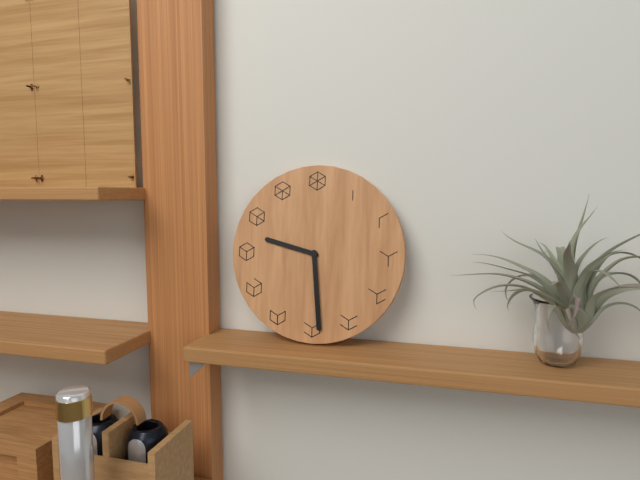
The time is 9:29
